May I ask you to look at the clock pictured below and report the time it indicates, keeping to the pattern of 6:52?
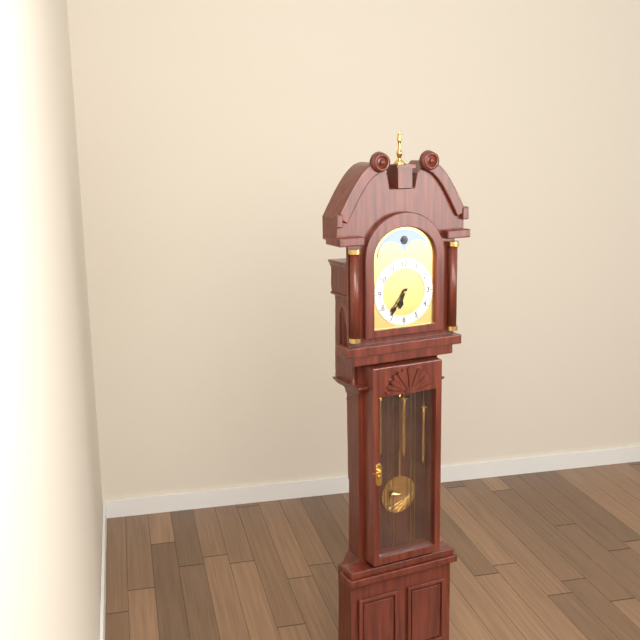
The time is 6:36
